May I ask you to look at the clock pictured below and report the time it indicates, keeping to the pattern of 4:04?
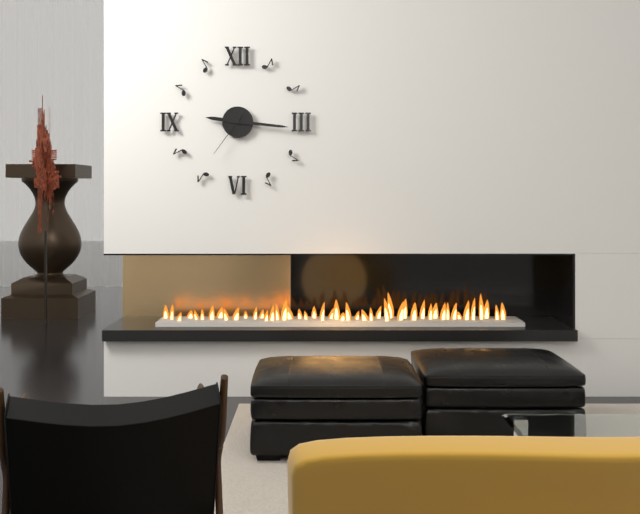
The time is 9:16
